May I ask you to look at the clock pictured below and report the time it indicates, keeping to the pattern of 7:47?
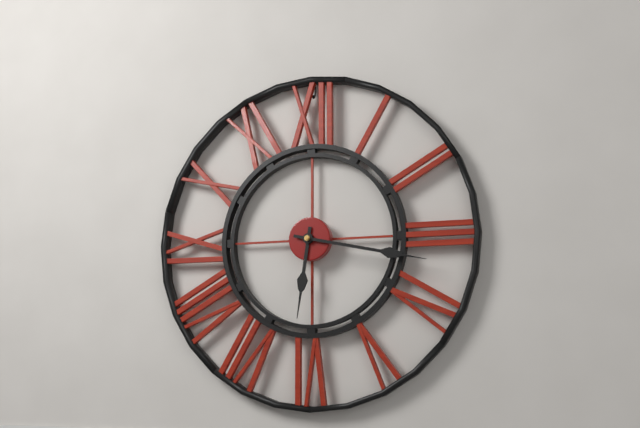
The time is 6:17
